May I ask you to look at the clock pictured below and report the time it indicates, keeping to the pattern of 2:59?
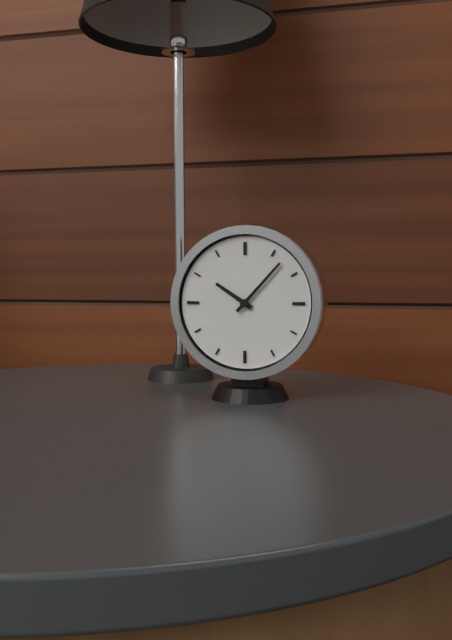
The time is 10:07
